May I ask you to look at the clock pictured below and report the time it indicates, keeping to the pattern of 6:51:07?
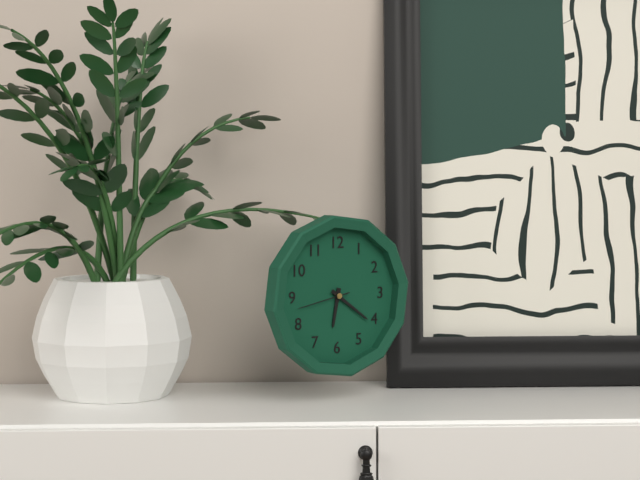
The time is 6:21:43
